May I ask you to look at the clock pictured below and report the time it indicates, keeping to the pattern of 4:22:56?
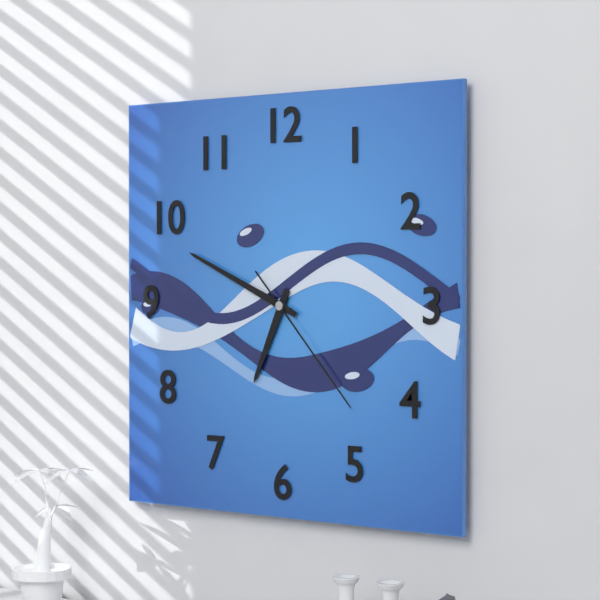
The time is 6:49:23
